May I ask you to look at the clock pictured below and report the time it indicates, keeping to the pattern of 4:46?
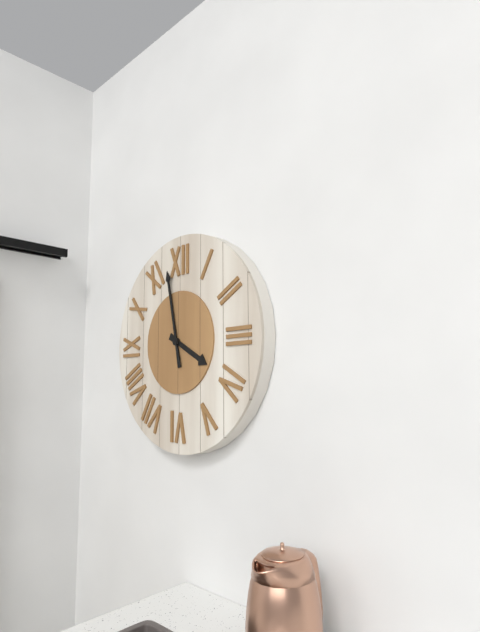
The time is 3:58
